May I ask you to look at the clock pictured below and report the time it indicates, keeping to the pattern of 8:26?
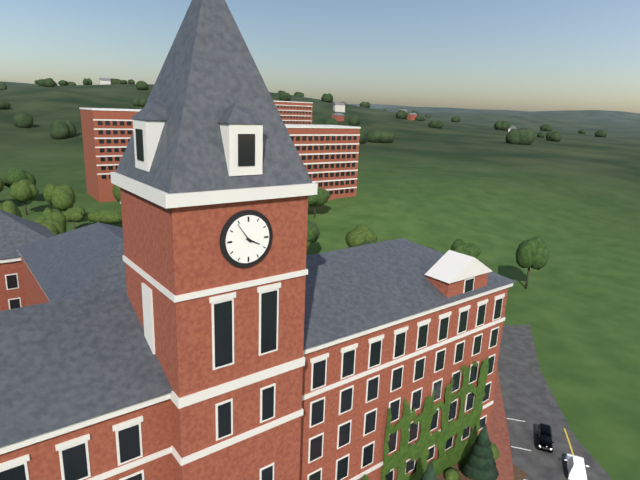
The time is 3:54
